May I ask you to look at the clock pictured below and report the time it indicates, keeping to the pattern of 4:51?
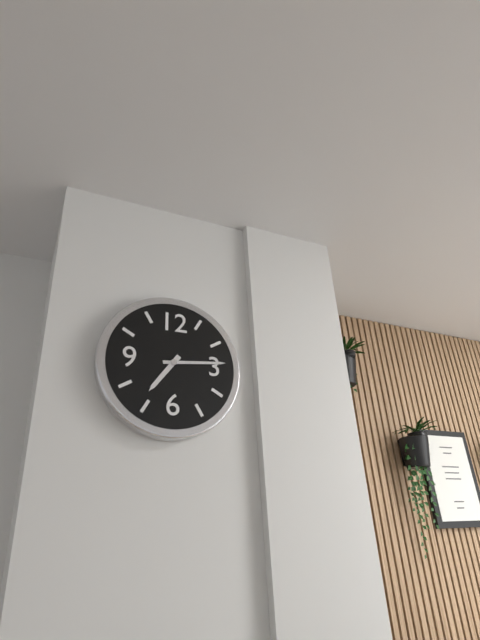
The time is 7:14
